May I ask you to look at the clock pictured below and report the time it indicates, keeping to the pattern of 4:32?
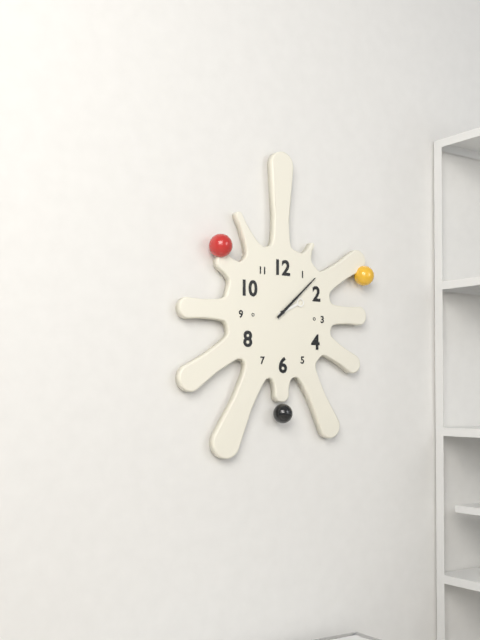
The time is 2:08
